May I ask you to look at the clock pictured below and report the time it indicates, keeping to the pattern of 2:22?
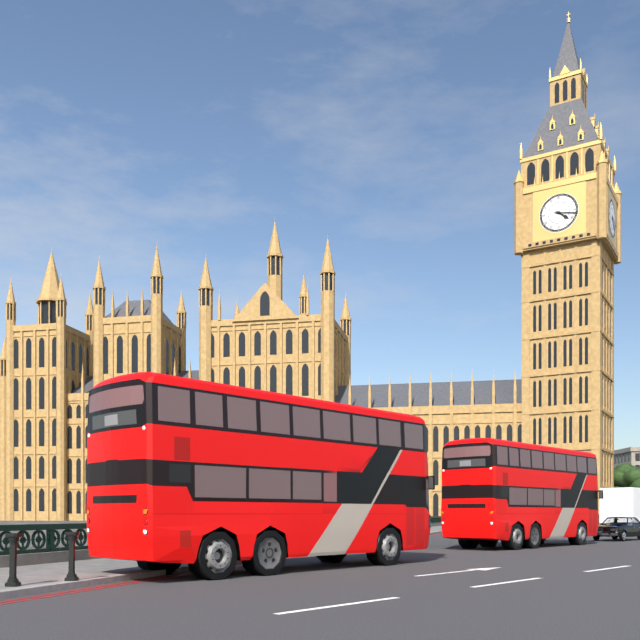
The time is 4:17
